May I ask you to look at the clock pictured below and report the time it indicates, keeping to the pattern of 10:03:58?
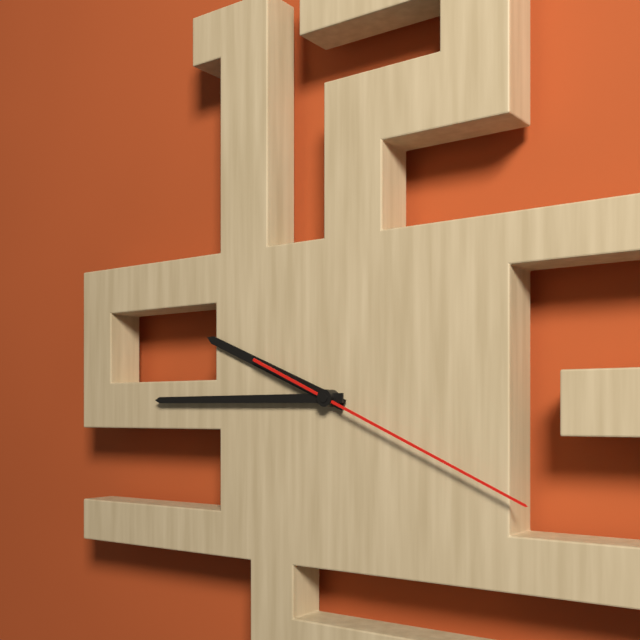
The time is 9:45:19
